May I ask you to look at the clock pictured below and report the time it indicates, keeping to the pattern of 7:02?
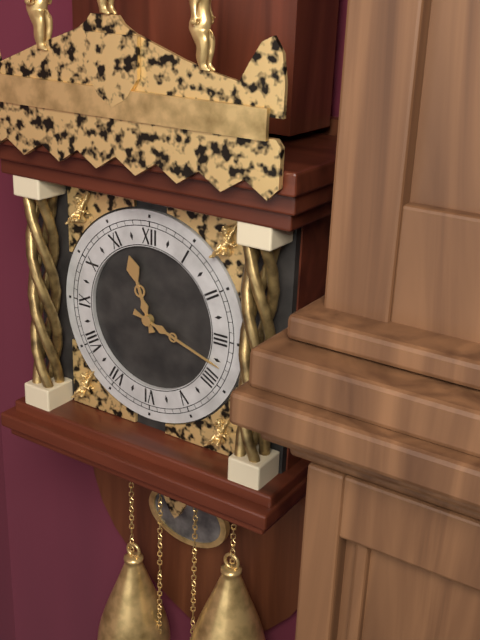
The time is 11:18
